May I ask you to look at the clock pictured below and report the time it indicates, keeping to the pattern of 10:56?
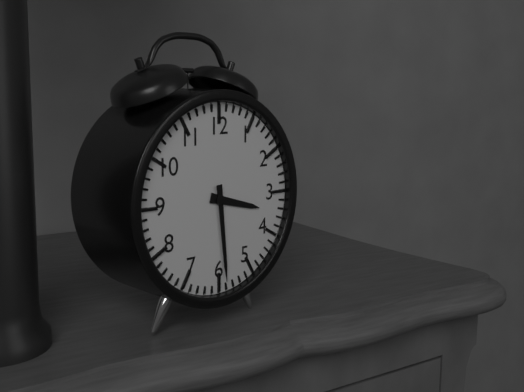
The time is 3:29
